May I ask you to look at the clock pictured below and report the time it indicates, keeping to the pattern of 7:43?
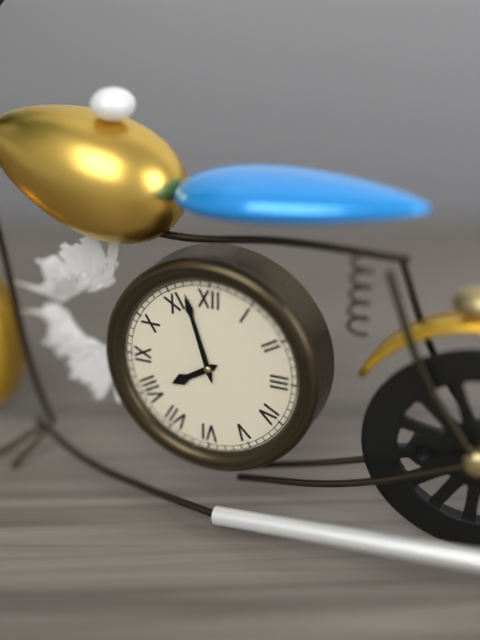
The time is 7:57
